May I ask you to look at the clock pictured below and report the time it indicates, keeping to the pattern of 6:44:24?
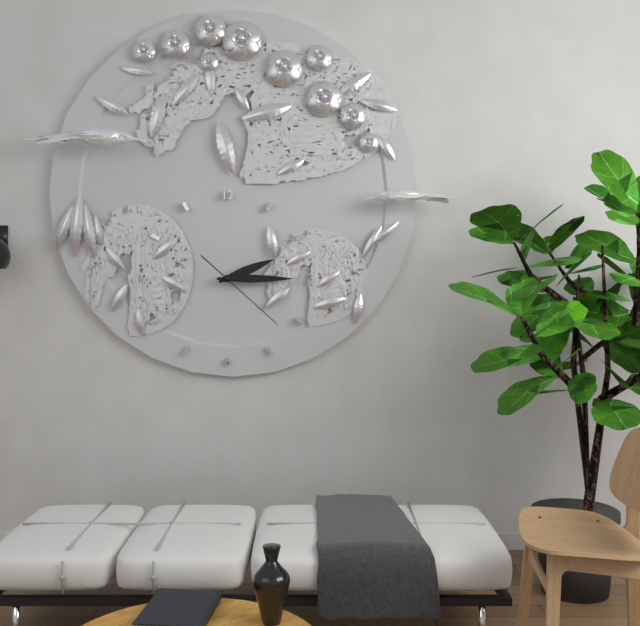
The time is 2:15:22
